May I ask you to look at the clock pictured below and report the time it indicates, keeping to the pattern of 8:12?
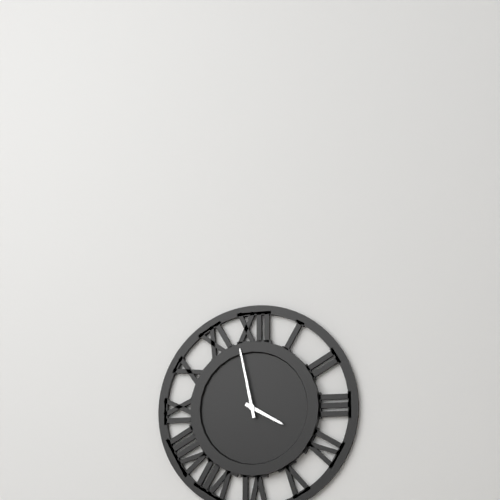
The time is 3:58
